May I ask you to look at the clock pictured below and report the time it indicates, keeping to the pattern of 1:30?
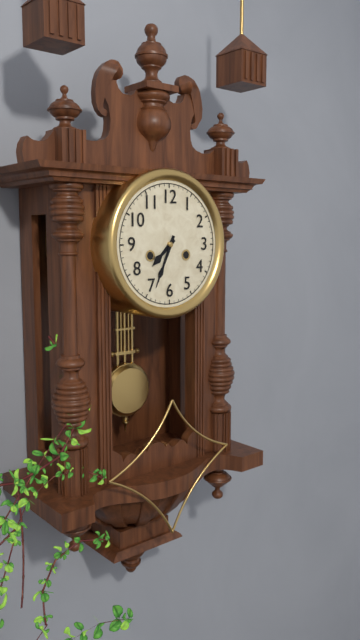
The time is 7:34
